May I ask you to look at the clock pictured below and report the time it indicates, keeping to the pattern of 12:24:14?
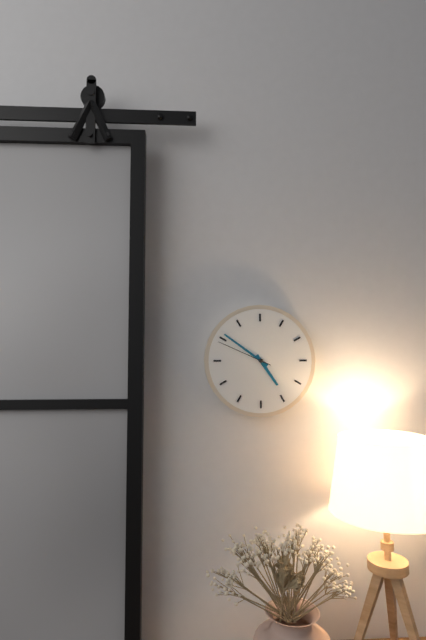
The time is 4:51:49
